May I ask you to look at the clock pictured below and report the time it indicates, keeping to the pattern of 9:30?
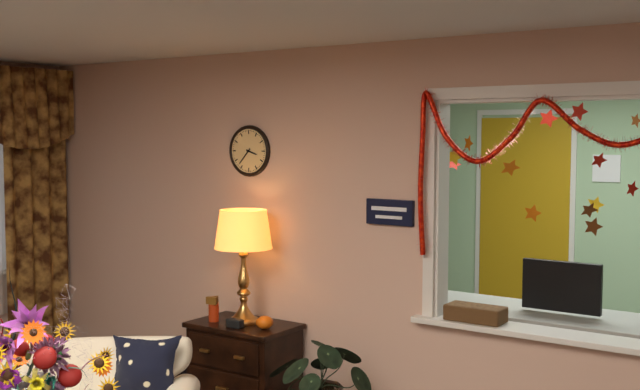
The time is 3:37
